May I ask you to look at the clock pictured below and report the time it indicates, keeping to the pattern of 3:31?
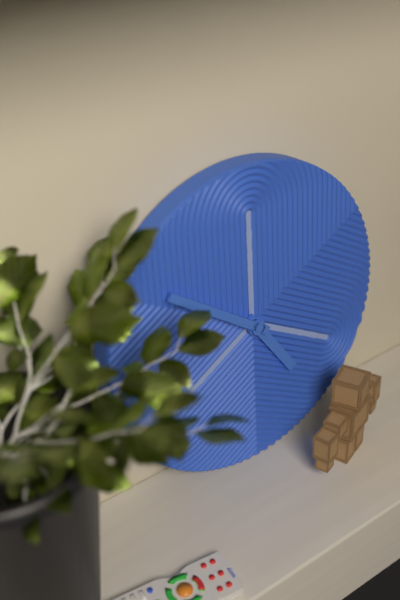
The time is 4:51
